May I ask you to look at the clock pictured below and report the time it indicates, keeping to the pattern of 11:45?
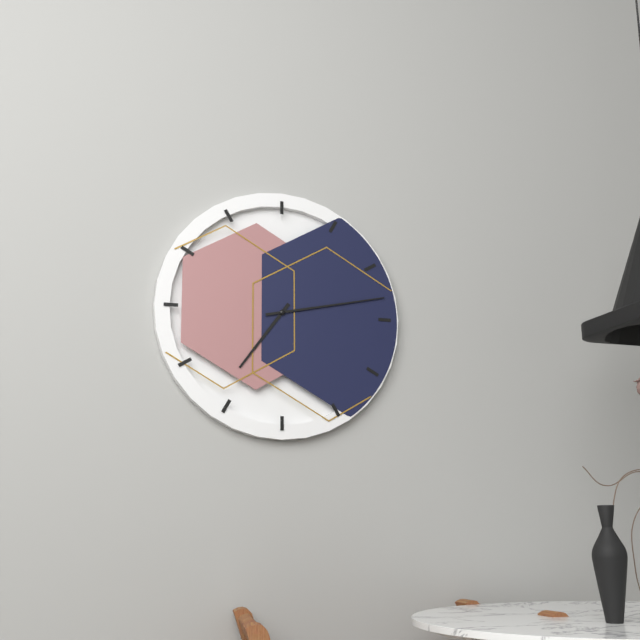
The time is 7:13
